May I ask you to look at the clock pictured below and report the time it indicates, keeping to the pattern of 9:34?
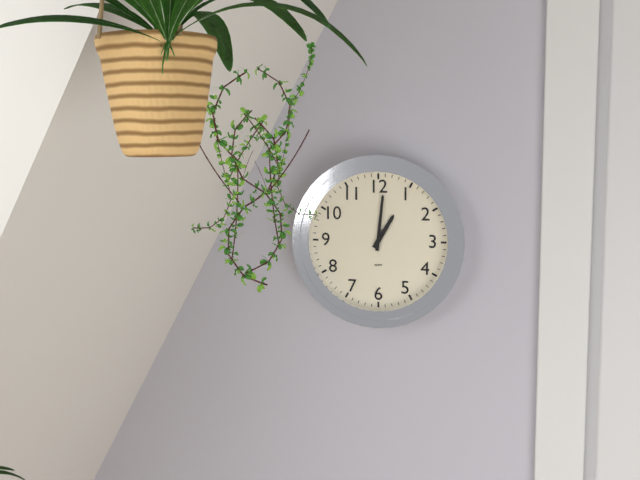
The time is 1:01
